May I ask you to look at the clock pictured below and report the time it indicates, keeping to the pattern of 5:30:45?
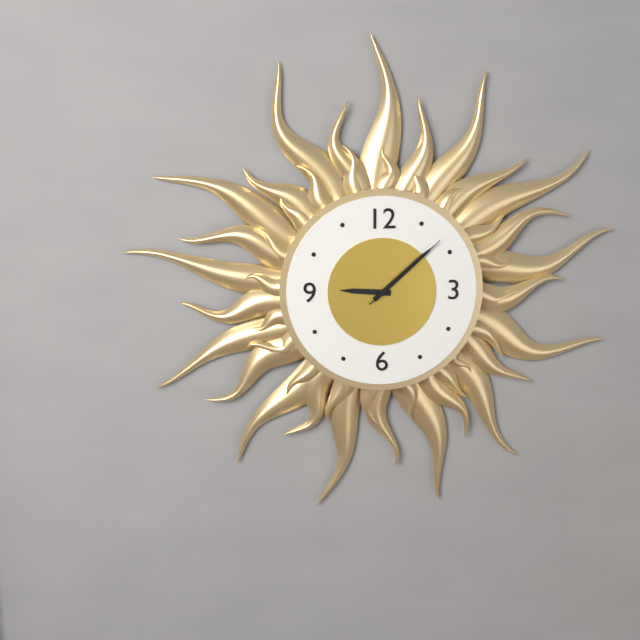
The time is 9:08:08
